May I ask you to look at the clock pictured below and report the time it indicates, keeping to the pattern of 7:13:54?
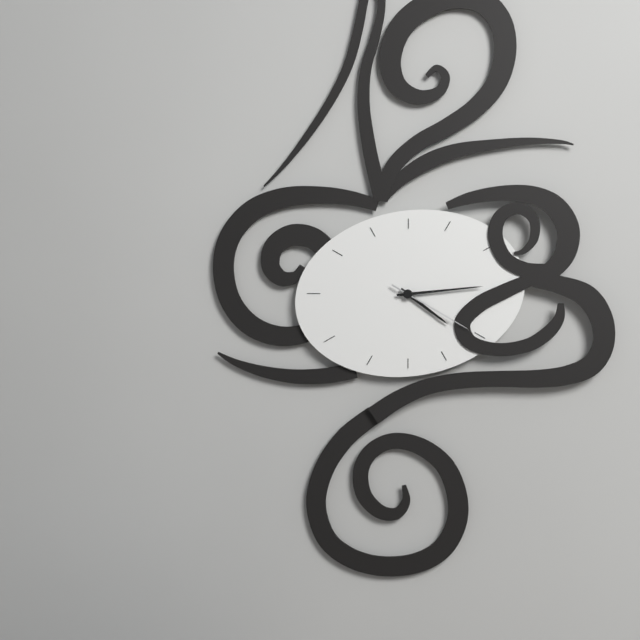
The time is 4:14:20
